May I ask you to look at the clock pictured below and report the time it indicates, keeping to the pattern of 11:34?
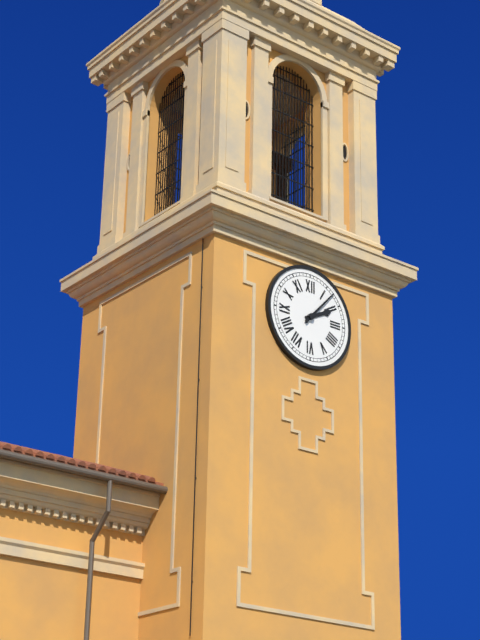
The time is 2:07
